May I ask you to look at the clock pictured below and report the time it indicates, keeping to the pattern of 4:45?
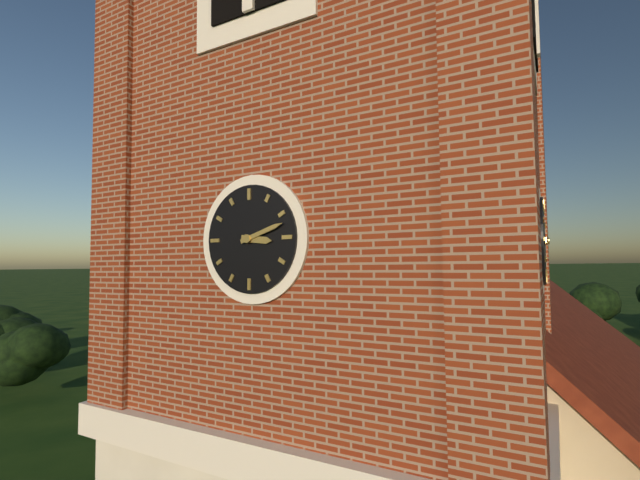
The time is 3:12
